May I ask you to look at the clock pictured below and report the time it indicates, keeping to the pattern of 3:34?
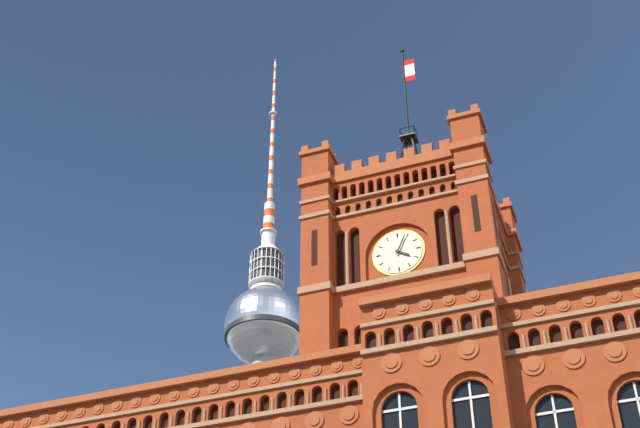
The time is 4:04
